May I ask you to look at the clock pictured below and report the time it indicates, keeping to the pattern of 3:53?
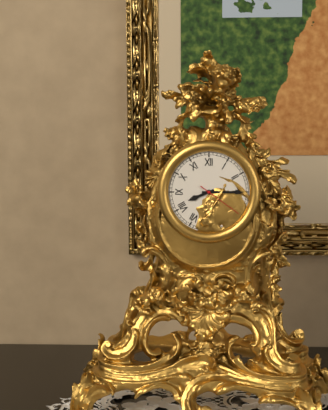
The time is 8:15
